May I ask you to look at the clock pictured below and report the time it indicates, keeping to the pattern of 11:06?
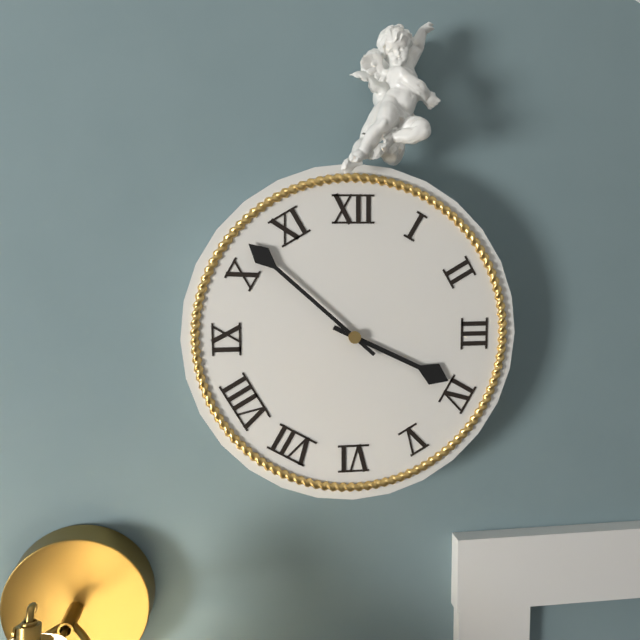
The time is 3:52
